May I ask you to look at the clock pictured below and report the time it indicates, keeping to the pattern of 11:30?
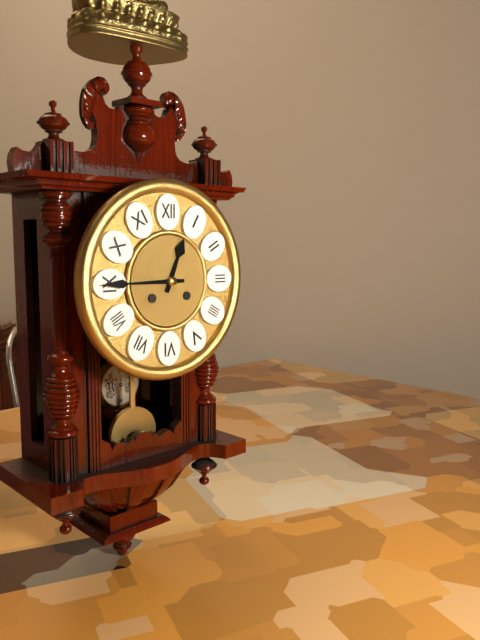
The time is 12:45
